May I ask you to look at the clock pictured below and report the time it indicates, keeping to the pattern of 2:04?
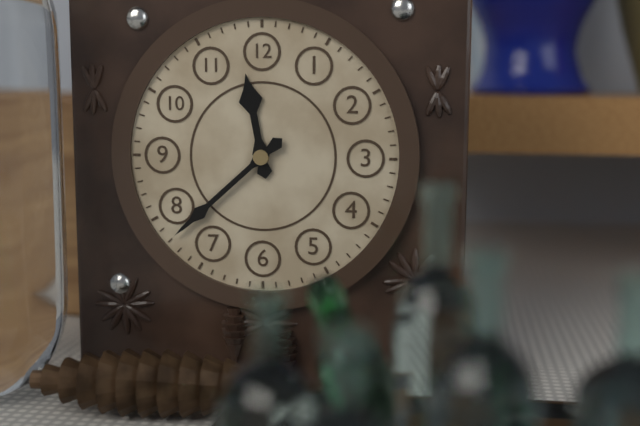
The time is 11:38
